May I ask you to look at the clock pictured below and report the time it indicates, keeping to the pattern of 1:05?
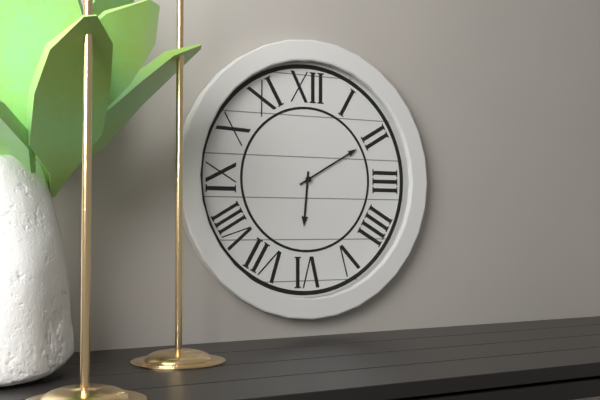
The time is 6:10
